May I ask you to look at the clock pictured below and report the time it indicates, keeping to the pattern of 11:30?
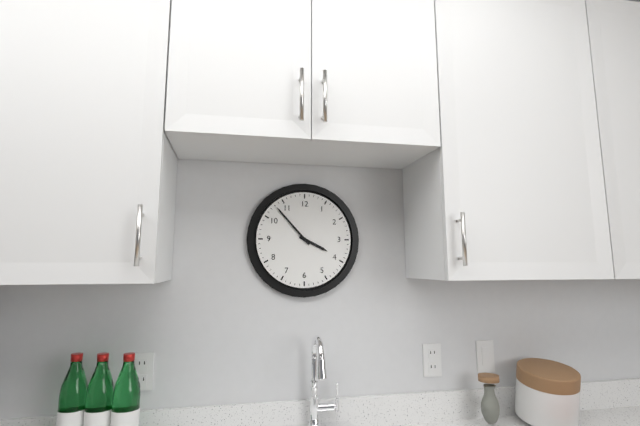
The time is 3:53
